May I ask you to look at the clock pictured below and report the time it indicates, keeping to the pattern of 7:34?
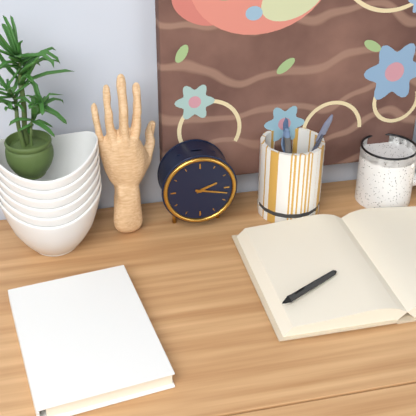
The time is 2:17
